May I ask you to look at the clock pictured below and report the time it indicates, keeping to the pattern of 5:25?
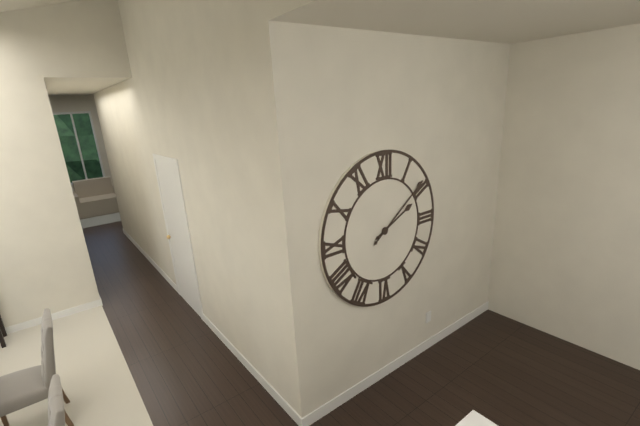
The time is 2:09
